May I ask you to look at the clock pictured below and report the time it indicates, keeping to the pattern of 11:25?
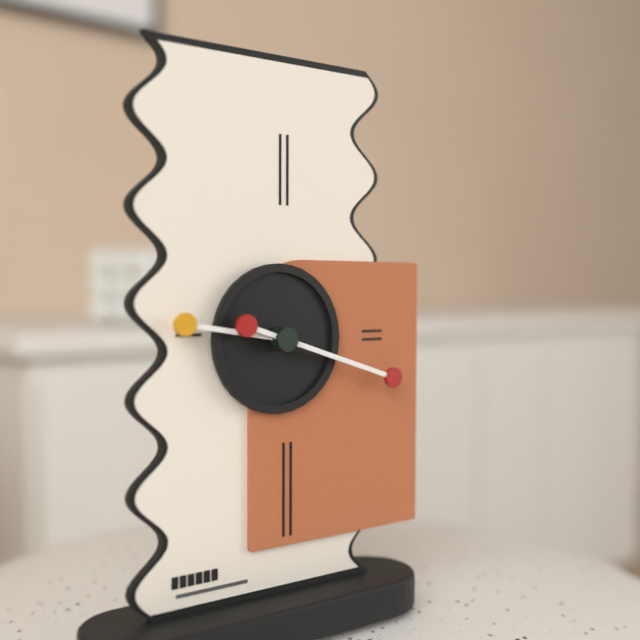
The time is 9:18
